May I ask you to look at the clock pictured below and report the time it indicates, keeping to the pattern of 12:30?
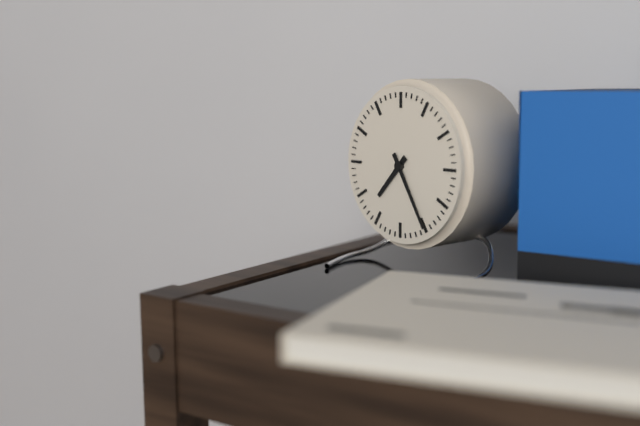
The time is 7:25
